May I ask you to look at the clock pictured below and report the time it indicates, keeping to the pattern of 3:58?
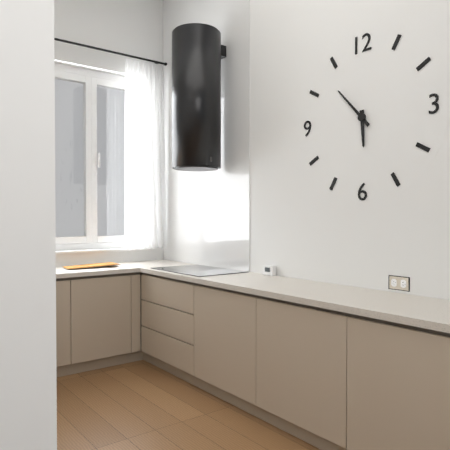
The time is 5:53
